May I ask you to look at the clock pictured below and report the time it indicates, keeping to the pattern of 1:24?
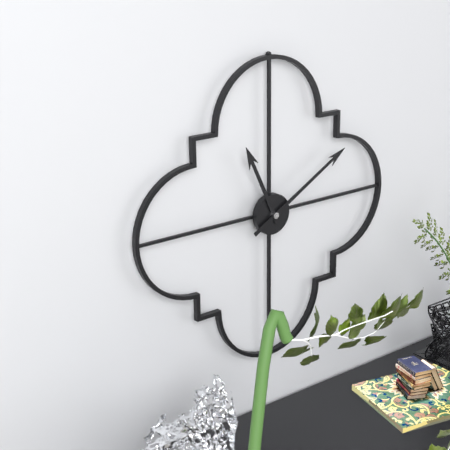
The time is 11:10
